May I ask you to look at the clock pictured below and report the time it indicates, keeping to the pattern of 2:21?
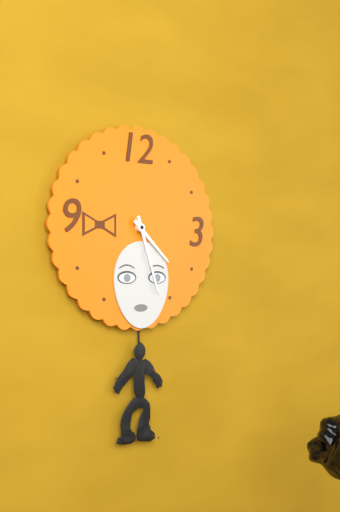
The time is 4:27
